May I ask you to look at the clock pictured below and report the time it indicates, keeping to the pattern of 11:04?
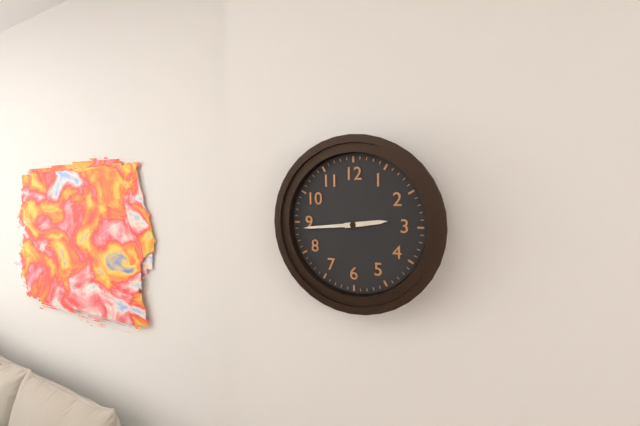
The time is 2:44
